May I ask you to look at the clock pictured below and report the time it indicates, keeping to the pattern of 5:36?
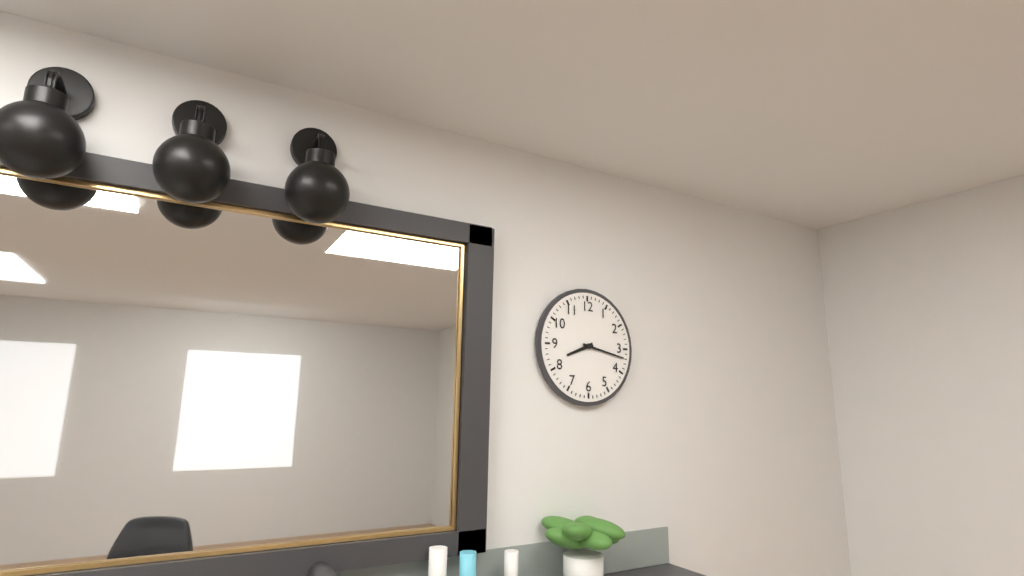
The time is 8:17
